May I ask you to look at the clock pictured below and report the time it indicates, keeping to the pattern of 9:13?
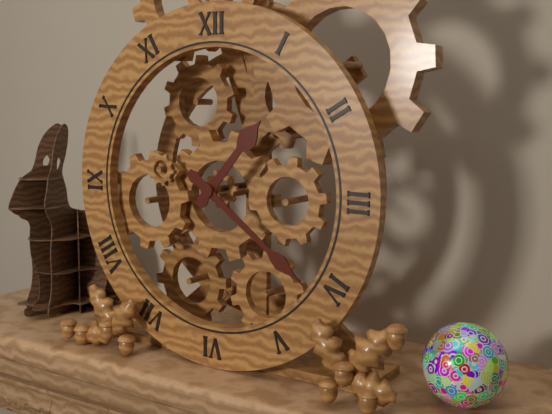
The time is 1:21
